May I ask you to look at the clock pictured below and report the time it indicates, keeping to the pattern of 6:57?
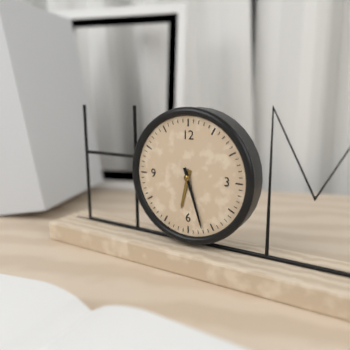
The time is 6:27
